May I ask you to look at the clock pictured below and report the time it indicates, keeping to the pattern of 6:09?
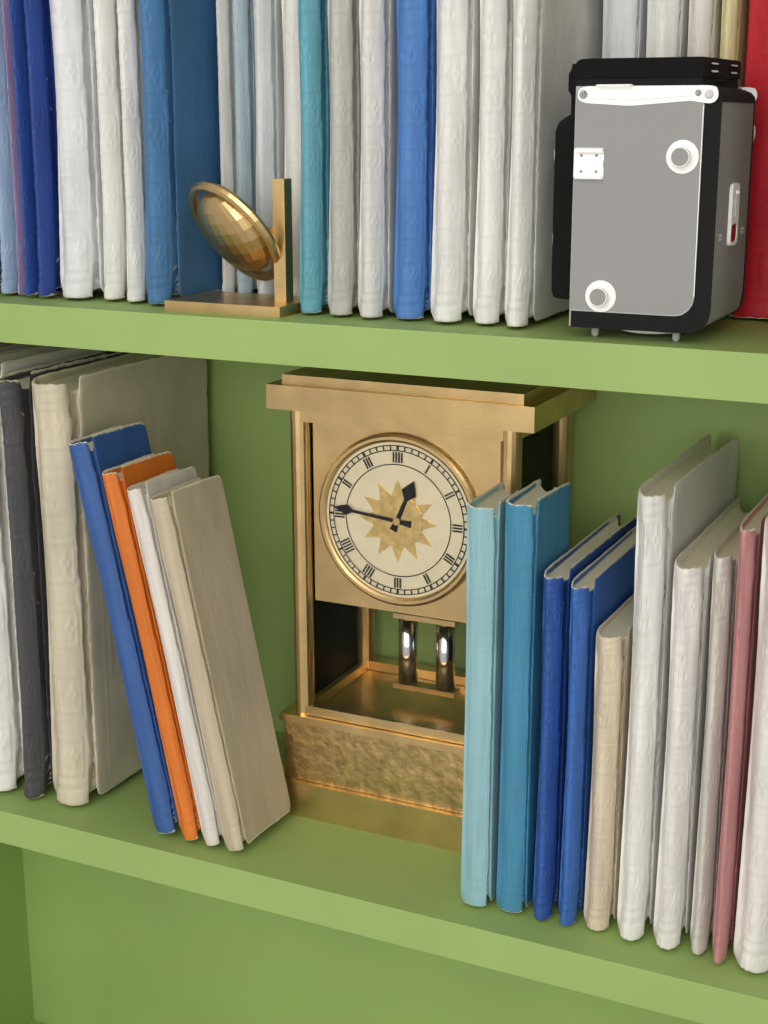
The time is 12:46
